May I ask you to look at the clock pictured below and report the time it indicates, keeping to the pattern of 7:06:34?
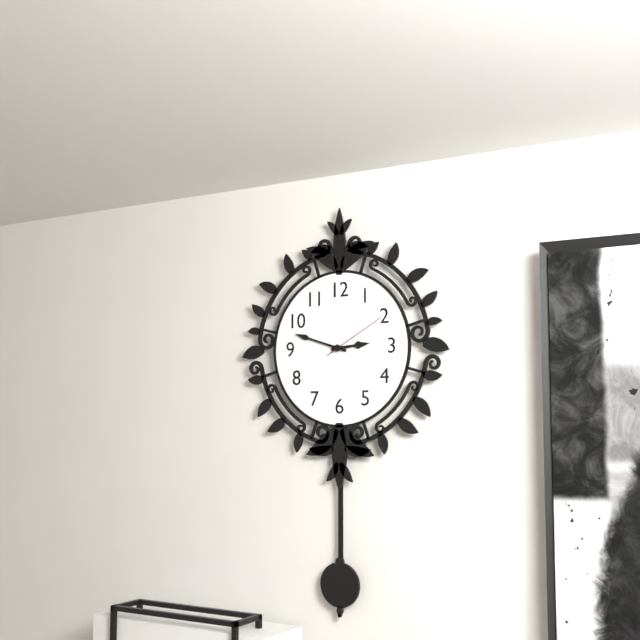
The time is 2:48:10
